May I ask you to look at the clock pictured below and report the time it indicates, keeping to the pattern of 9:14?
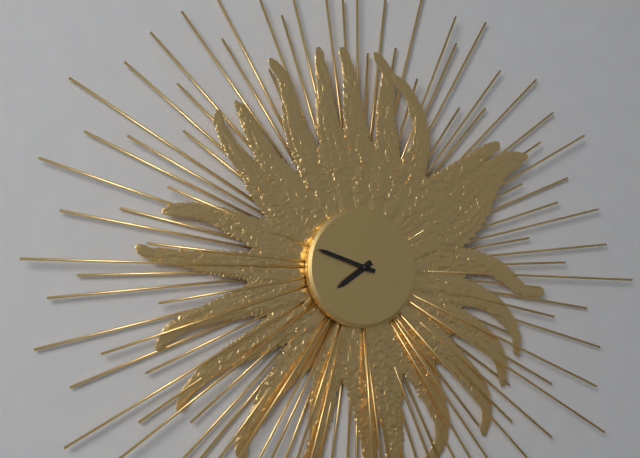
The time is 7:48
